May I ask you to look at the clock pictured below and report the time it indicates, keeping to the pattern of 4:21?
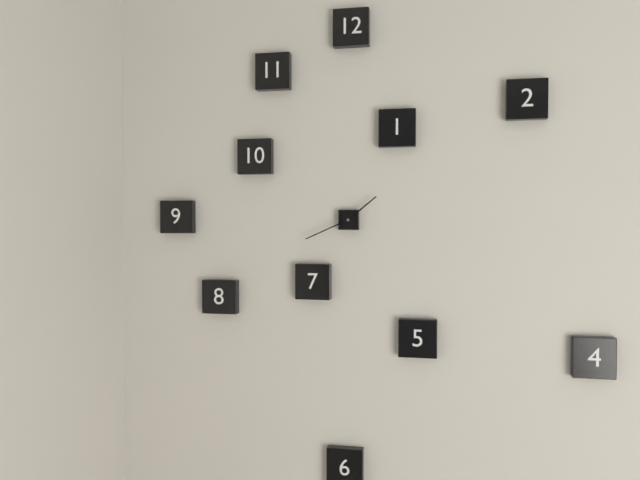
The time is 1:41
